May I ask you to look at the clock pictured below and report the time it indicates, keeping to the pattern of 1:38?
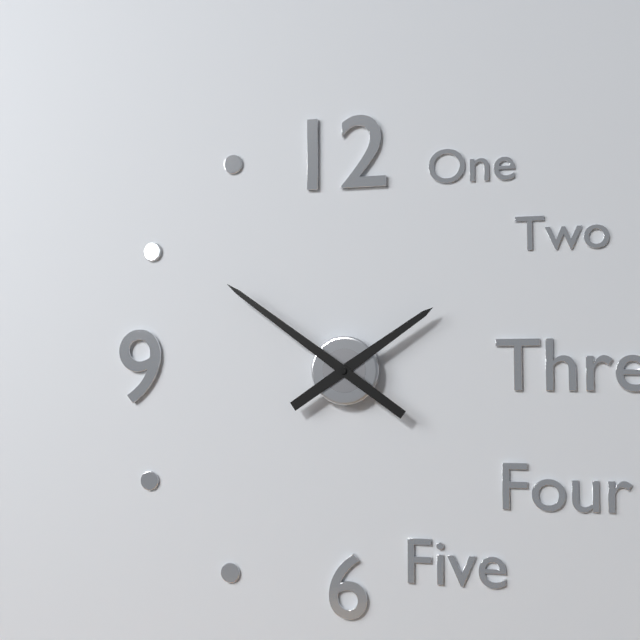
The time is 1:51
